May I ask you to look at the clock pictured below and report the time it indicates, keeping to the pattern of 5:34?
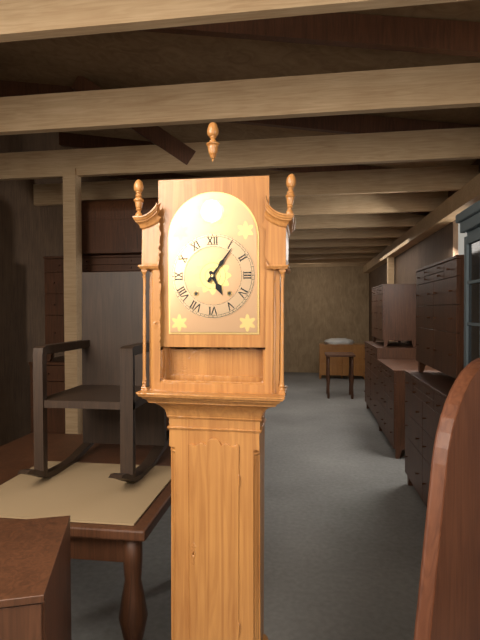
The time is 5:06
